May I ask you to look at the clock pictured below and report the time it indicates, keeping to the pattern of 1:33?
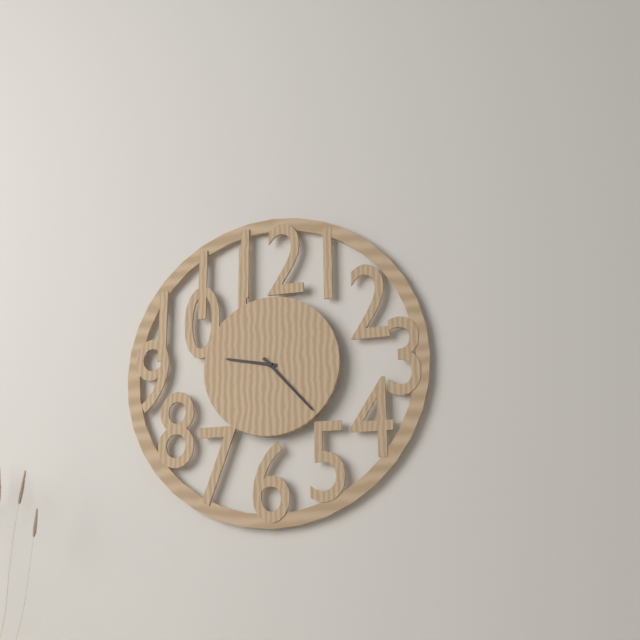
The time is 9:23
